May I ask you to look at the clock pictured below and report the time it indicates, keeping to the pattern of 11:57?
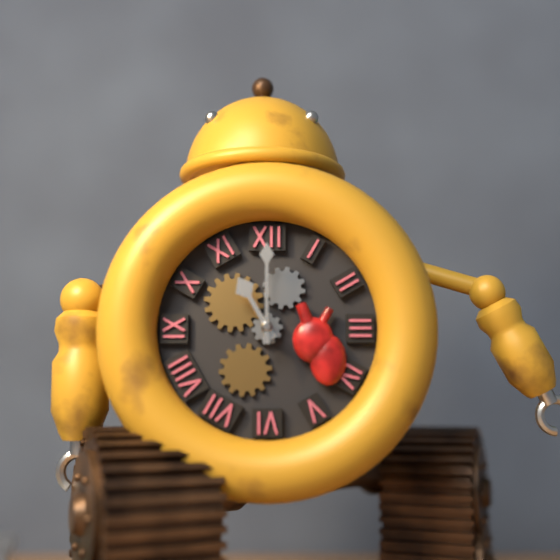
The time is 11:00
